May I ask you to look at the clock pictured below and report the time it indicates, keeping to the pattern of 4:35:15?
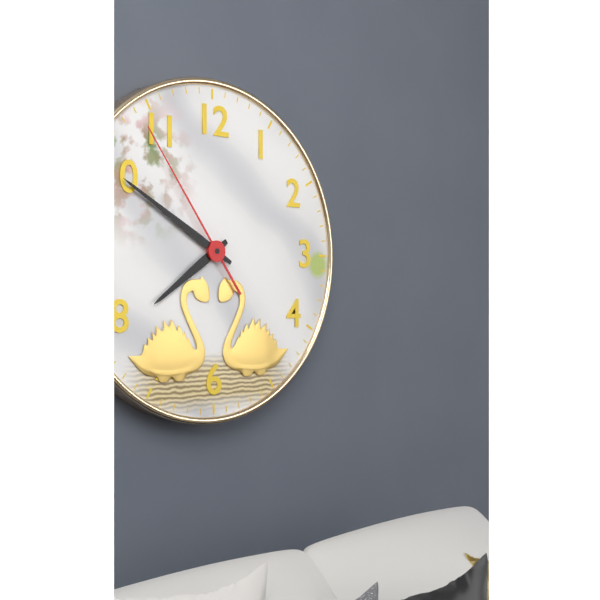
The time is 7:50:54
